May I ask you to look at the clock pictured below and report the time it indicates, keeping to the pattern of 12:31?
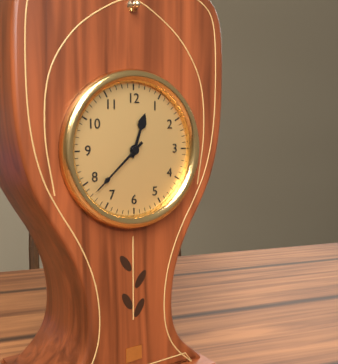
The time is 12:38
